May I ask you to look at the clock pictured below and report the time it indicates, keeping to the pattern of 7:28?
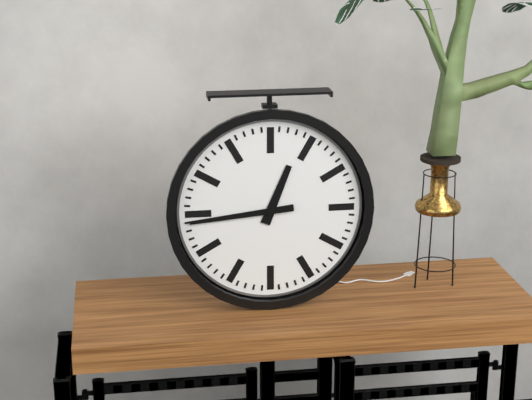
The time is 12:44
